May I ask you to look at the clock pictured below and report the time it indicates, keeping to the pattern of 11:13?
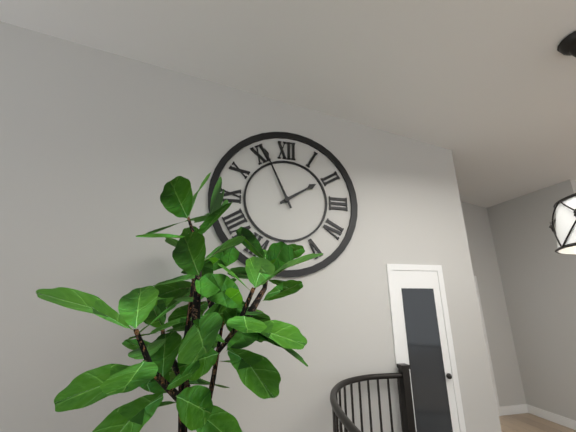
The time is 1:56
